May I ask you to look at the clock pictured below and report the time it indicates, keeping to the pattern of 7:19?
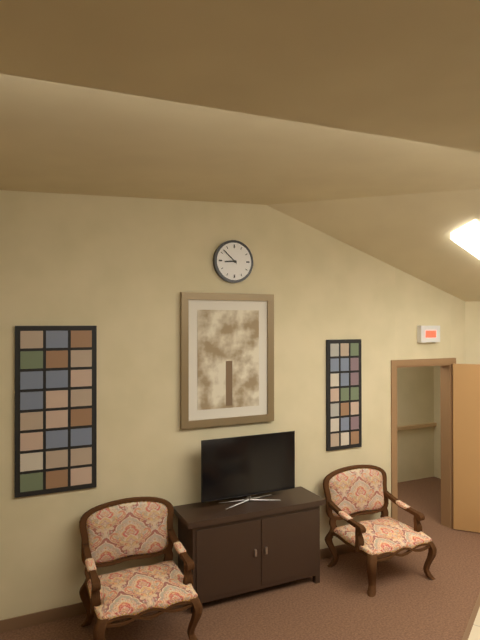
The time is 8:52
